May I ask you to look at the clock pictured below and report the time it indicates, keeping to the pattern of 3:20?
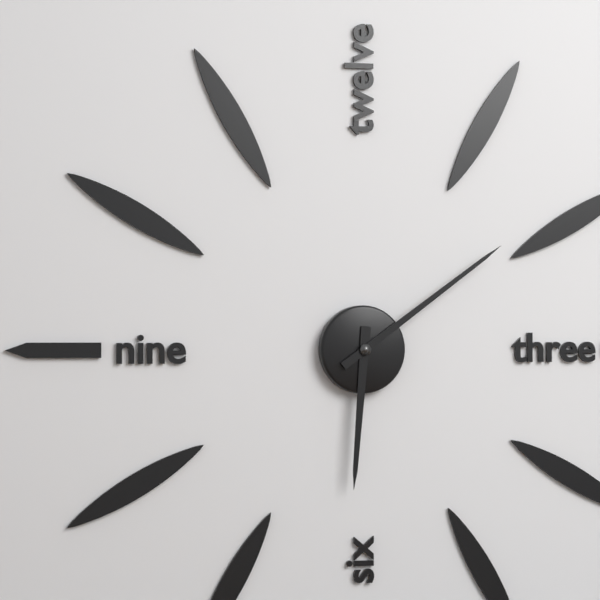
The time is 6:09
